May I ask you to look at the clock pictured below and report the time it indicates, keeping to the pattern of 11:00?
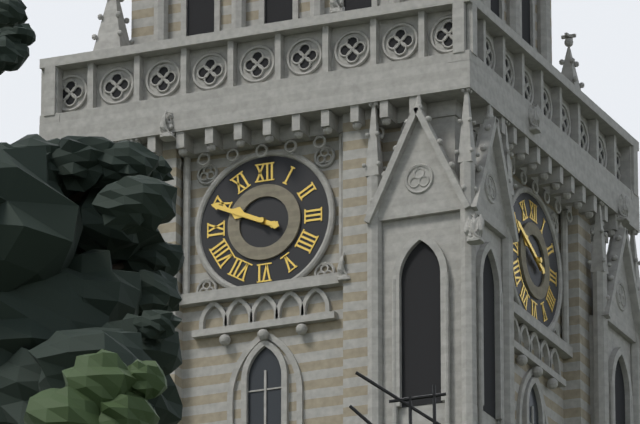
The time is 9:49
